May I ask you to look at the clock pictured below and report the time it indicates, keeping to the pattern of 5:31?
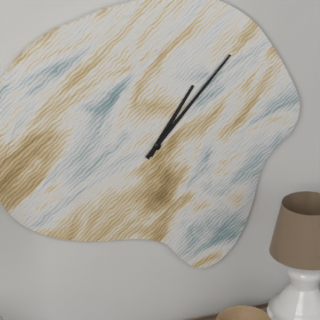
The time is 1:07
